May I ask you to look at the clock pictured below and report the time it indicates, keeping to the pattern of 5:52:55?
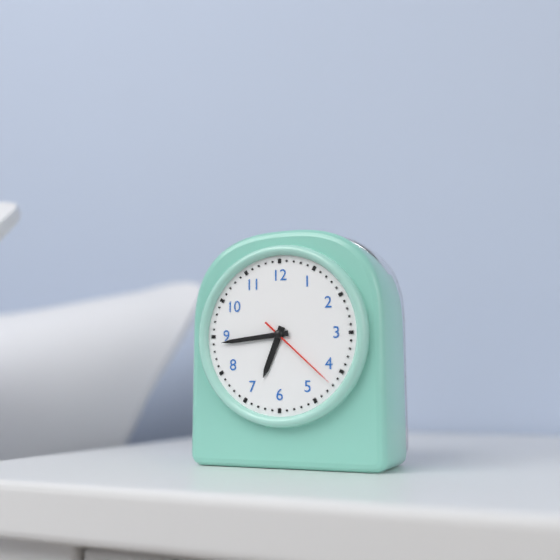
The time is 6:44:22
